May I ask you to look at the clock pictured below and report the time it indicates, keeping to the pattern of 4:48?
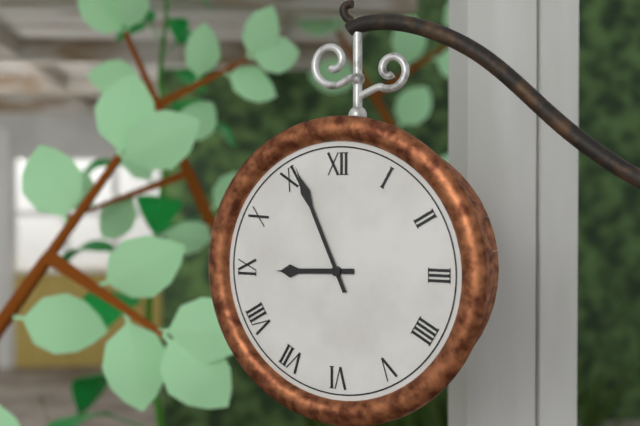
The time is 8:56
